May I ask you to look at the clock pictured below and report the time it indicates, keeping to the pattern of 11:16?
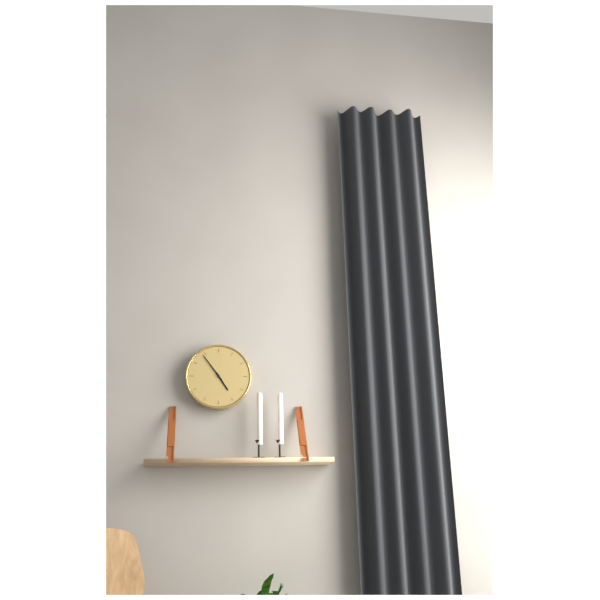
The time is 4:54
